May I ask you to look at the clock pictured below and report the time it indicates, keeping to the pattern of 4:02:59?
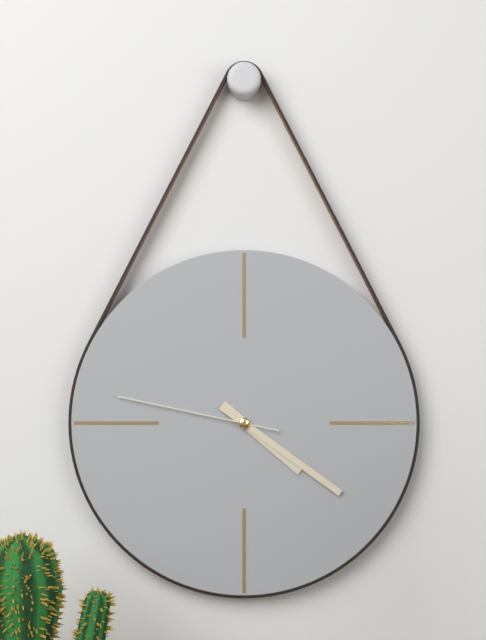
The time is 4:21:47
